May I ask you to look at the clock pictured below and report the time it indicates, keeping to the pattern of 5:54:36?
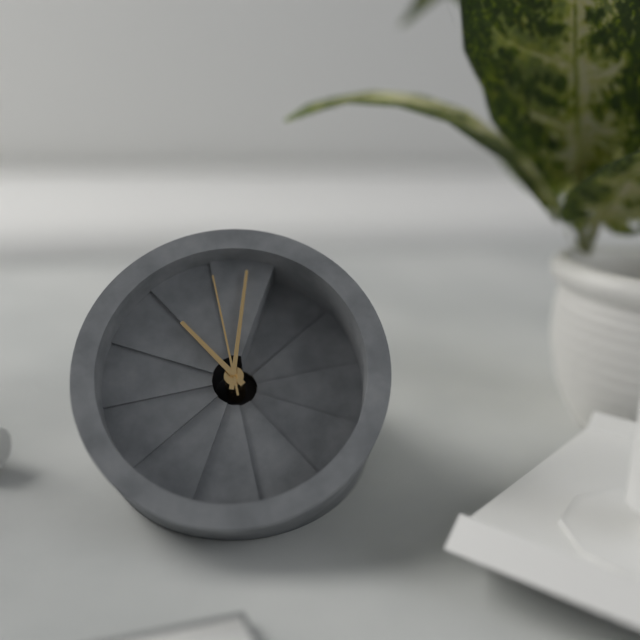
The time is 9:58:55
